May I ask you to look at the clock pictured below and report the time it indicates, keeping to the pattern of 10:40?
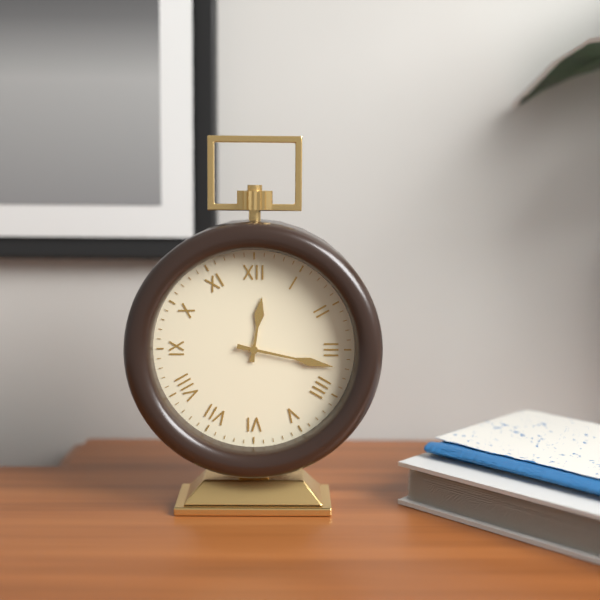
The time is 12:17
